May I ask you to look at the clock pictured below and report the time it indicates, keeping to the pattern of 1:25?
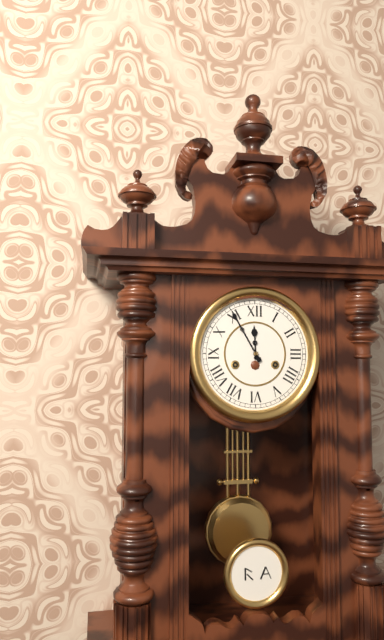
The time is 11:55
